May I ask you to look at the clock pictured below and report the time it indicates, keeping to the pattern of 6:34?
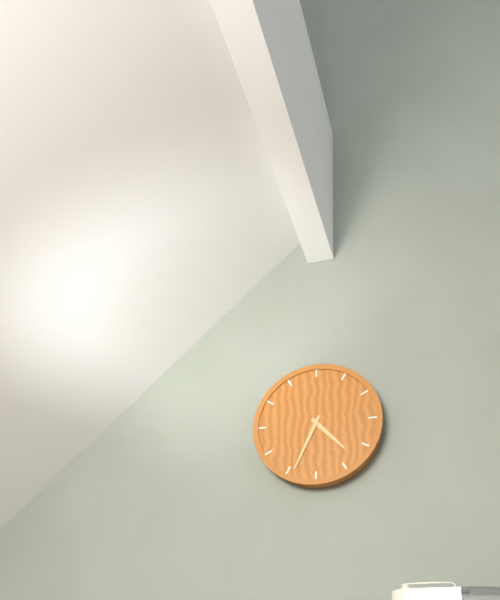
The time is 4:34
